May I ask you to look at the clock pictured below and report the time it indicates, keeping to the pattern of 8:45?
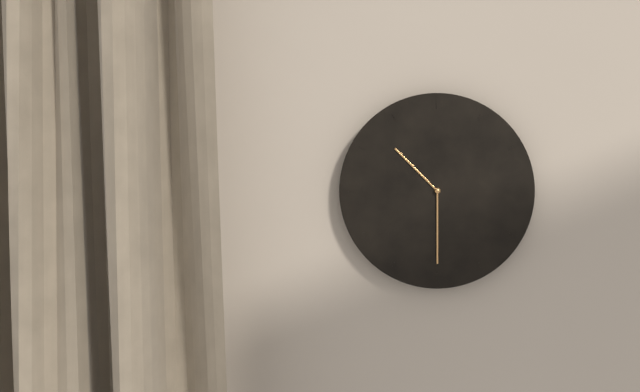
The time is 10:30
